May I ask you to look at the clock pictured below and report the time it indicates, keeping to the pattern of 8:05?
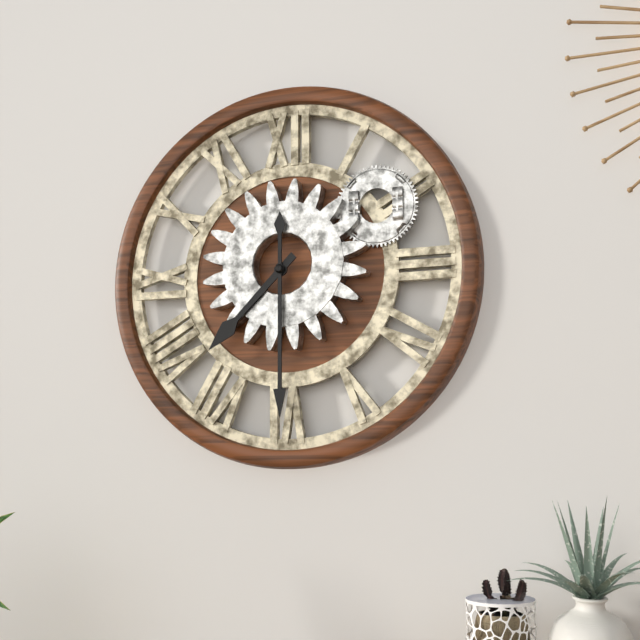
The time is 7:30
